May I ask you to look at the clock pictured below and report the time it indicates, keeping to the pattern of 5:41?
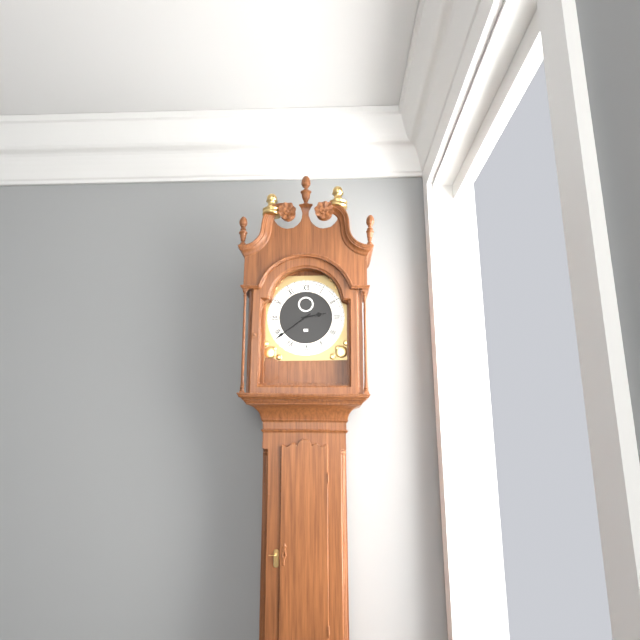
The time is 2:39
